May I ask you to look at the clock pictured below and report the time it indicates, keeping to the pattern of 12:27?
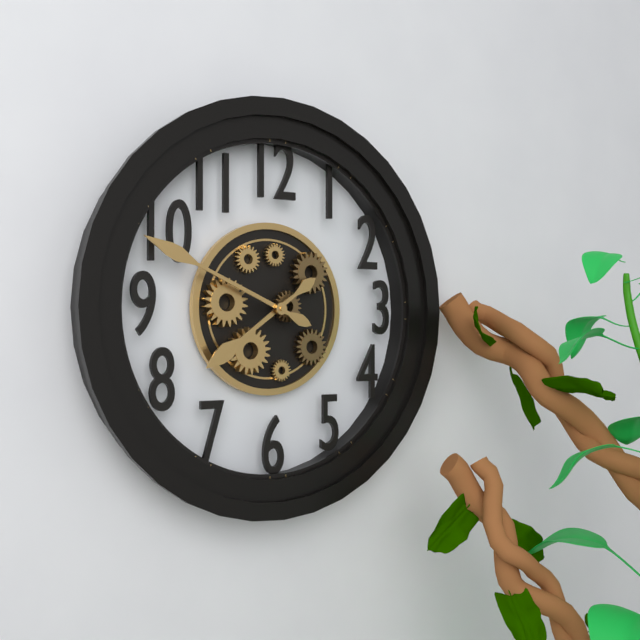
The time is 7:49
